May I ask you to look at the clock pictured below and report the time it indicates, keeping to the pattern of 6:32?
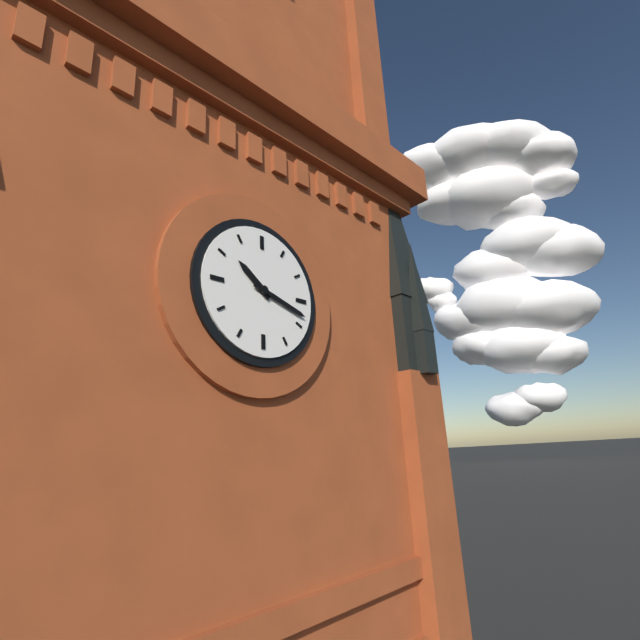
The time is 10:18
